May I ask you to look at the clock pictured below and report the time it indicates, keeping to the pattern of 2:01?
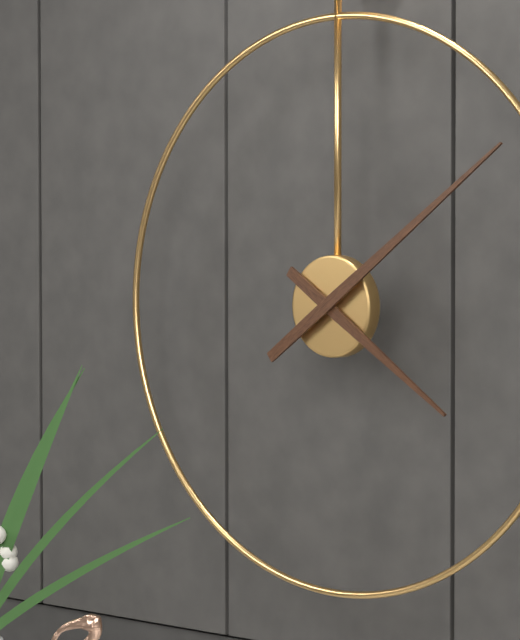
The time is 4:09
